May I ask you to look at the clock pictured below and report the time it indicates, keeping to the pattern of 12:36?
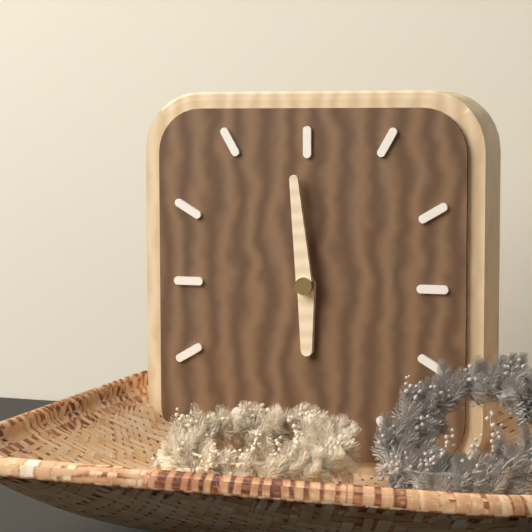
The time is 5:59
